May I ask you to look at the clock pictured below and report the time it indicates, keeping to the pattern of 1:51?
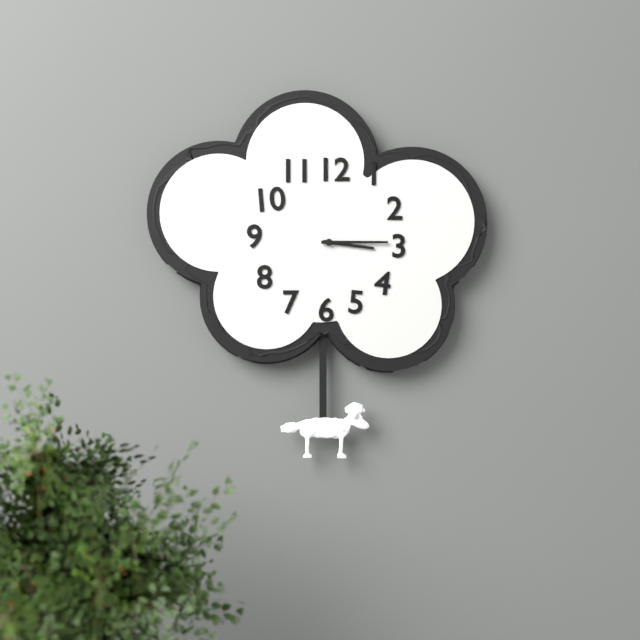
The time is 3:15
